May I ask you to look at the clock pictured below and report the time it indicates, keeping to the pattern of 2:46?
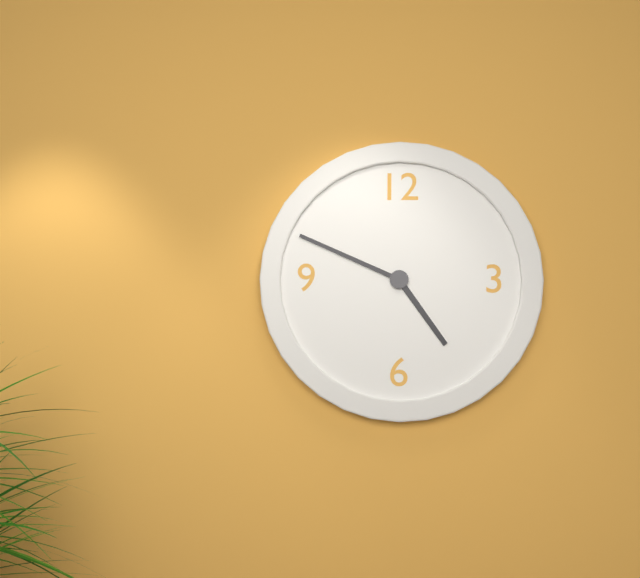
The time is 4:49
